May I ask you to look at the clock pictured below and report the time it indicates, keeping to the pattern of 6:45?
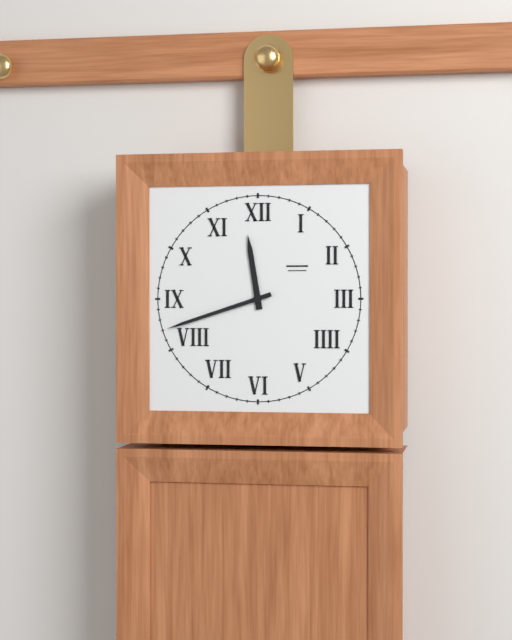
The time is 11:42
